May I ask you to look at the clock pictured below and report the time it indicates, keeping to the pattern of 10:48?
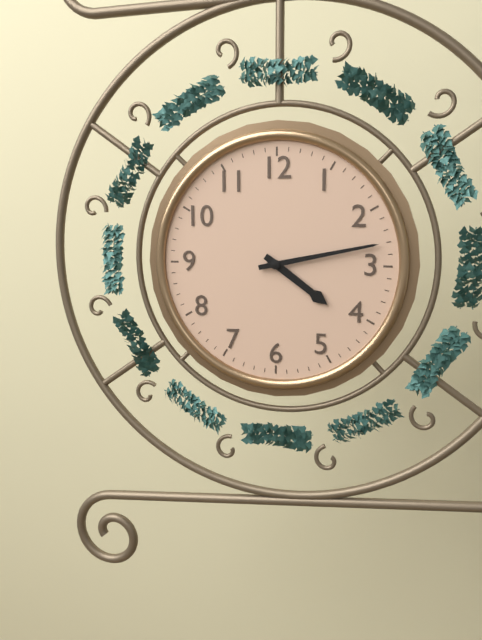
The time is 4:13
